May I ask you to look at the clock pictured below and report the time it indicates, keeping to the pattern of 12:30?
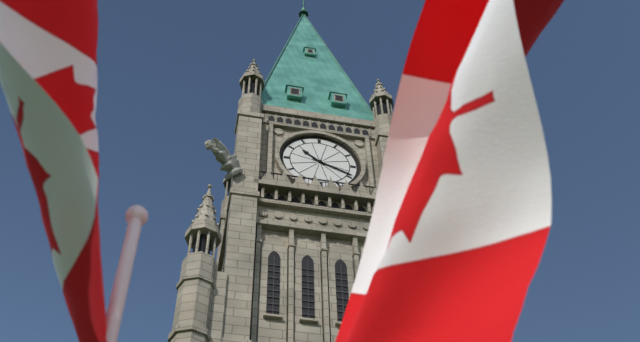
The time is 10:19
